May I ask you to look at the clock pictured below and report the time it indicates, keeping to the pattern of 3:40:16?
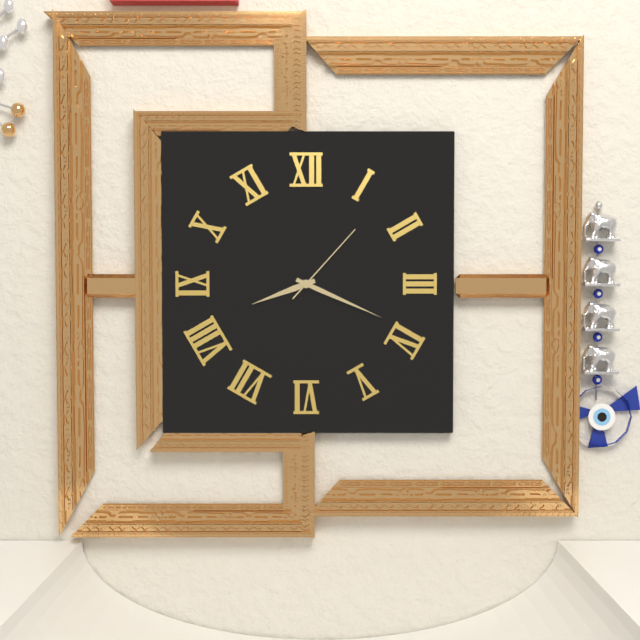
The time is 8:19:07
